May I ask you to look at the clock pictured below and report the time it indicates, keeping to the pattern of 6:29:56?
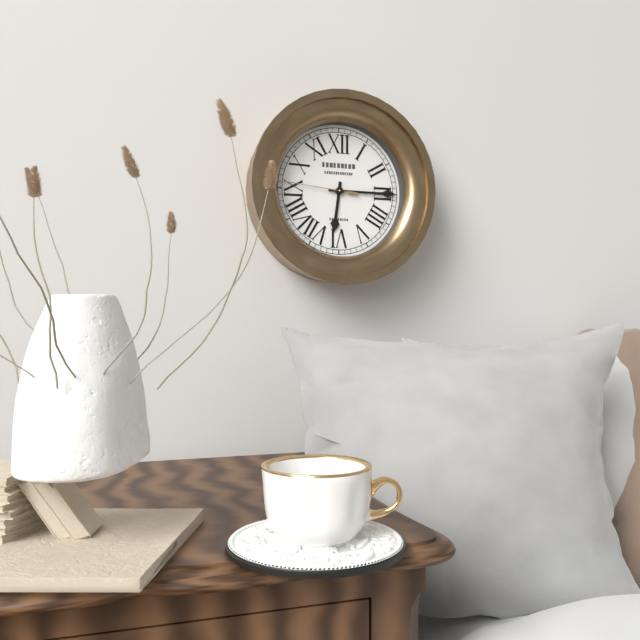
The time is 6:15:46
